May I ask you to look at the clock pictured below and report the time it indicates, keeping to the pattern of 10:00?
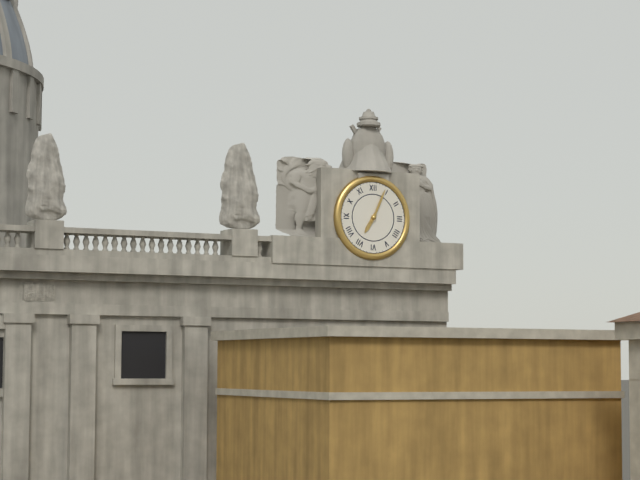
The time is 7:04
